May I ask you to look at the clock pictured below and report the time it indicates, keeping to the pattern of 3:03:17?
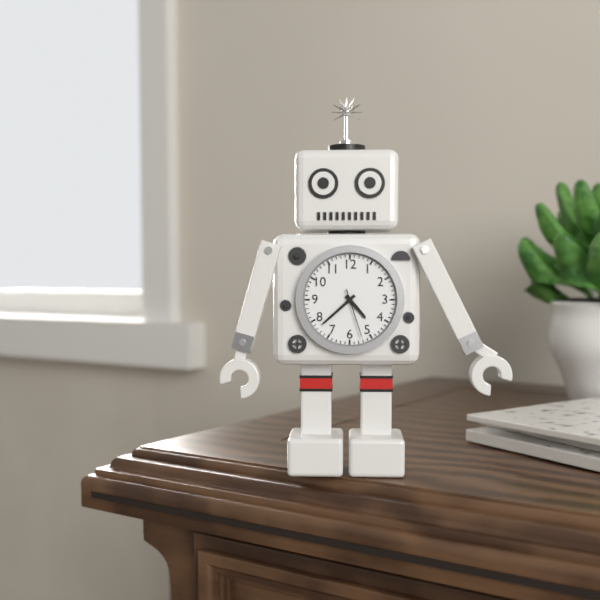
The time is 4:38:27
